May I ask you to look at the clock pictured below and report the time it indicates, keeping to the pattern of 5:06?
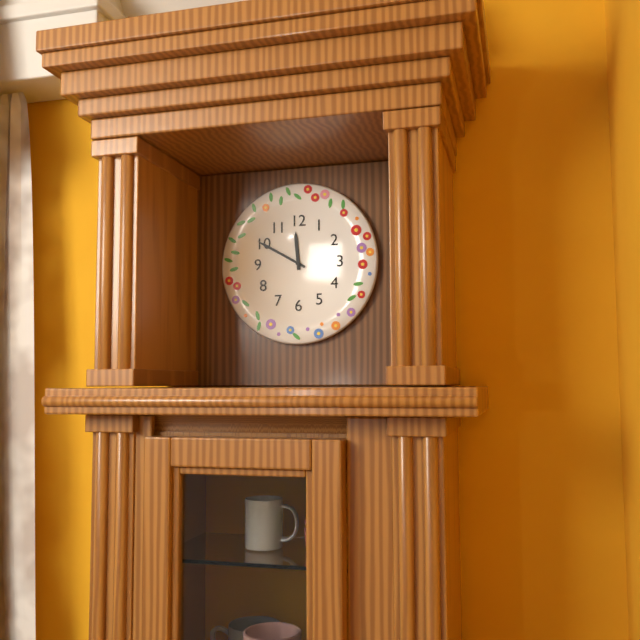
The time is 11:50
